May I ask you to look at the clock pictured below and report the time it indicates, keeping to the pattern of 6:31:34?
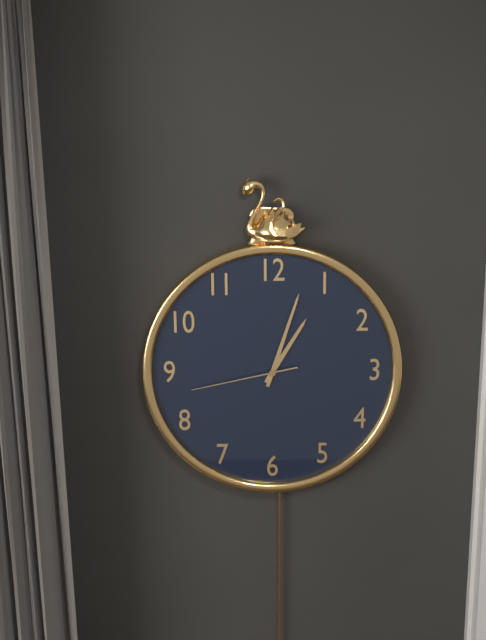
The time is 1:03:43
